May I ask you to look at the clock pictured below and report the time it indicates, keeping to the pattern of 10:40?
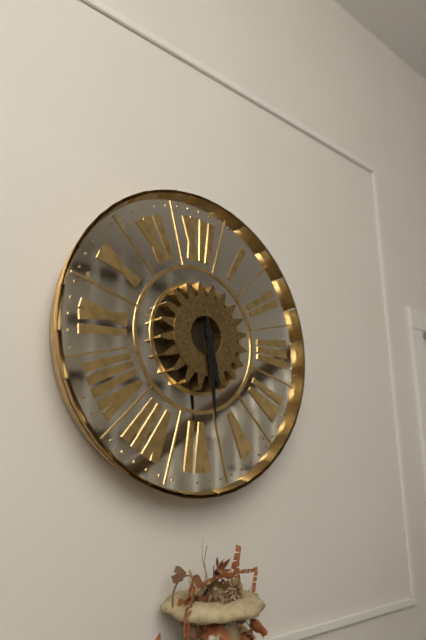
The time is 5:29
